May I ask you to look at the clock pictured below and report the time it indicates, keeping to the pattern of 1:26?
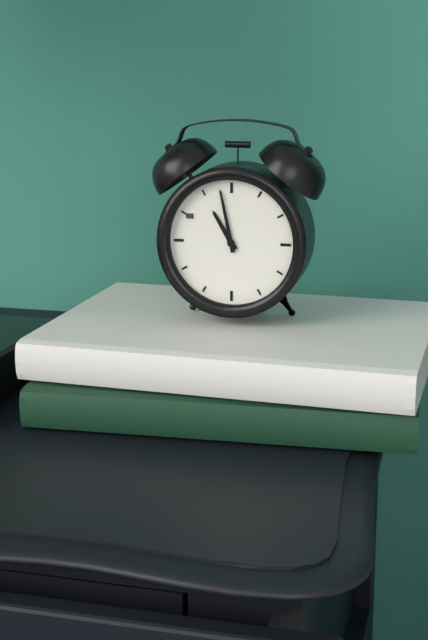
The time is 10:58
